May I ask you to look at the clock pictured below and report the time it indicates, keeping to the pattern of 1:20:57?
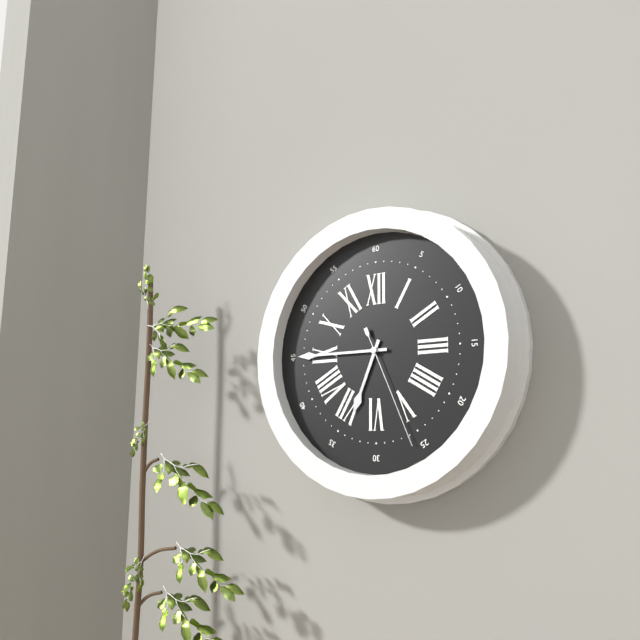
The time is 6:45:26
